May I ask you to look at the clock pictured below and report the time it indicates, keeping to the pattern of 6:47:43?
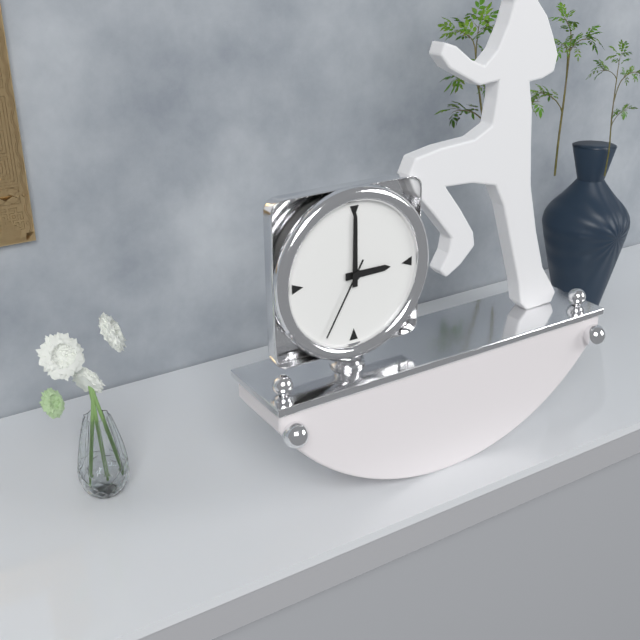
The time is 3:00:35
